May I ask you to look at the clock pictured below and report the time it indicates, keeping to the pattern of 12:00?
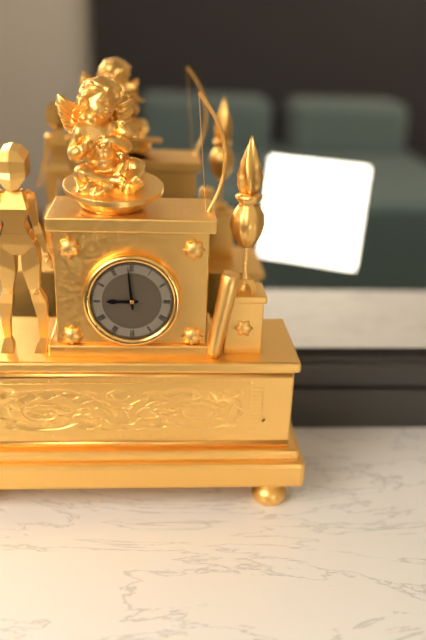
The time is 8:59
